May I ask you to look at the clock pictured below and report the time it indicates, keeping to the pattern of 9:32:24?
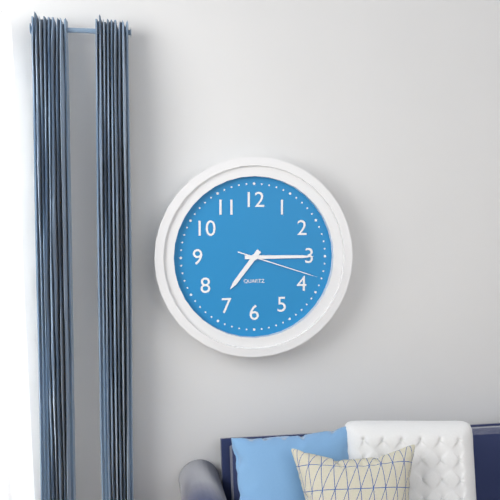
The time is 7:15:18
